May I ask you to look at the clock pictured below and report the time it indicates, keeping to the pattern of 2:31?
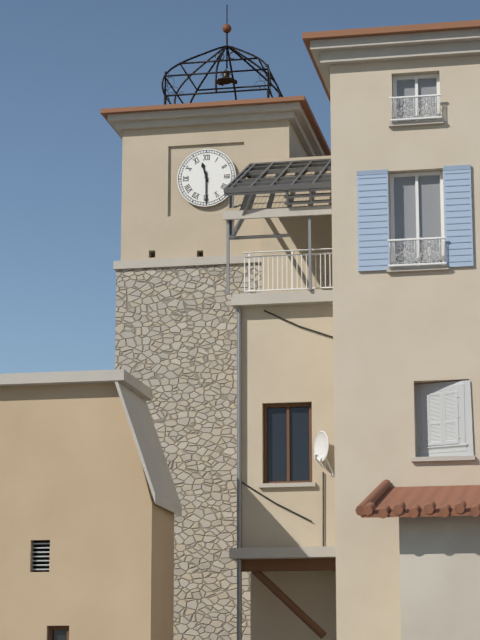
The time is 11:30
